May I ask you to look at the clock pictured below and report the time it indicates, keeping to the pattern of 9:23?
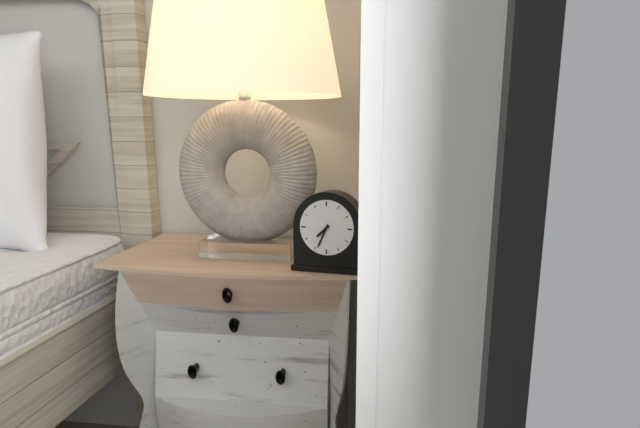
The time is 7:34
